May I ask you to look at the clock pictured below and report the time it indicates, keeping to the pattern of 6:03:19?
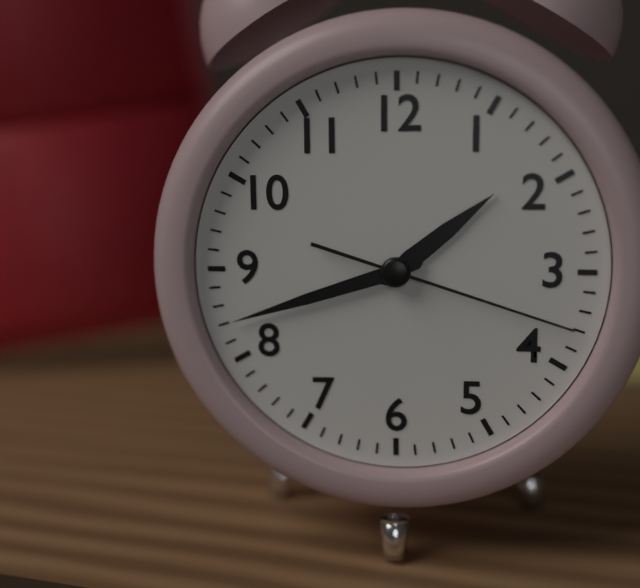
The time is 1:42:18
